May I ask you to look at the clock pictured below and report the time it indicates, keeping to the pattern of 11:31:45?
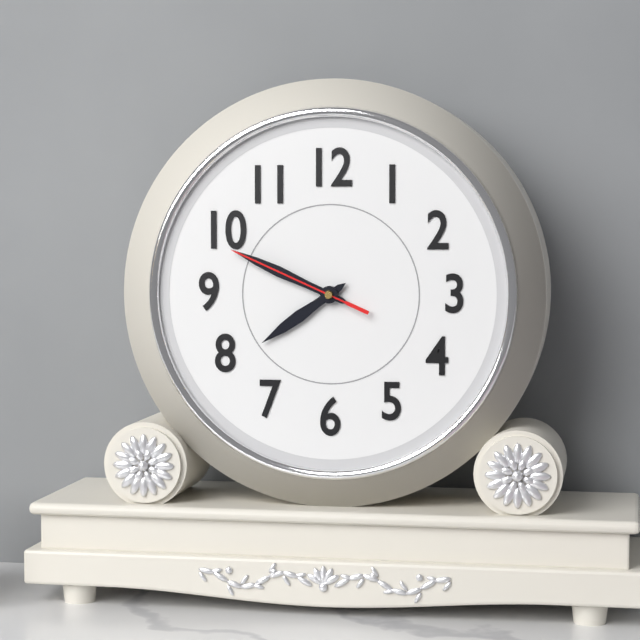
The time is 7:49:49
